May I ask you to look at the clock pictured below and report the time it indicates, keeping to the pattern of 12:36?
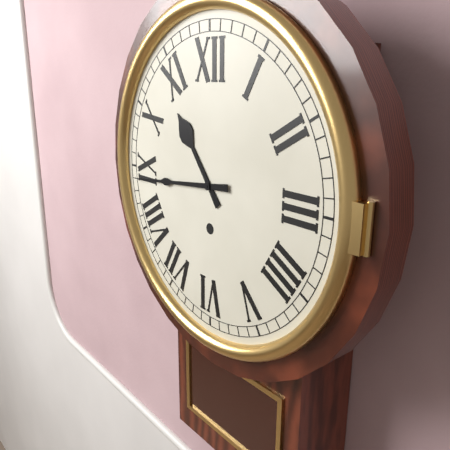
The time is 10:44
